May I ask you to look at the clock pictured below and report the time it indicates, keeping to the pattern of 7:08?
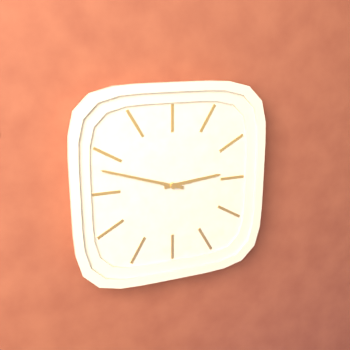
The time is 2:48
